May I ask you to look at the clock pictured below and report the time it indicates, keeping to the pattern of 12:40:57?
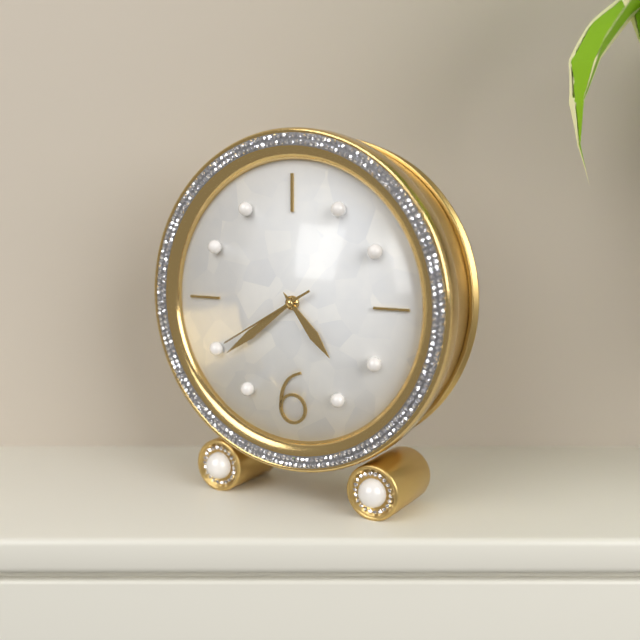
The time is 4:39:40
